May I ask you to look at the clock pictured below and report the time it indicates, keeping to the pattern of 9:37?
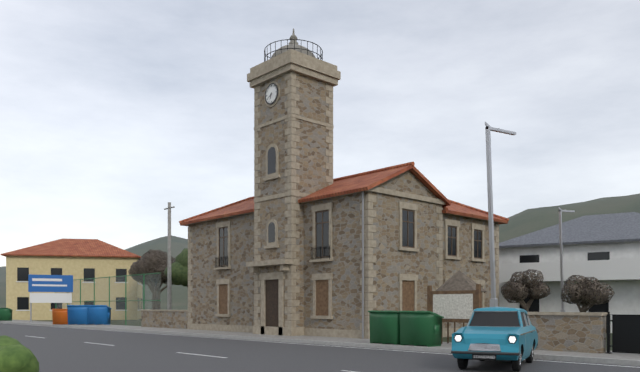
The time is 6:39
